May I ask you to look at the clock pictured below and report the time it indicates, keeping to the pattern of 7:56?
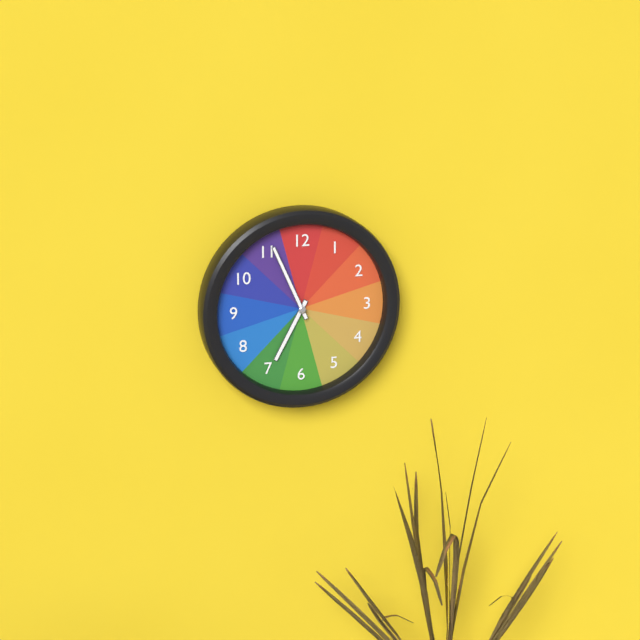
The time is 6:56
